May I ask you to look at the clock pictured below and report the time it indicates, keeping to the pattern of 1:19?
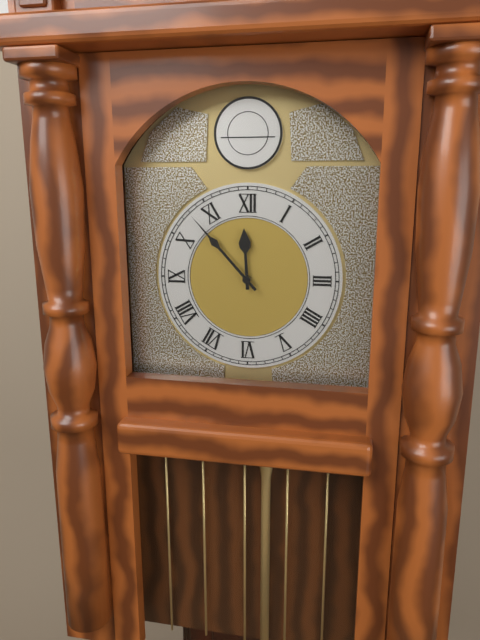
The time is 11:53
